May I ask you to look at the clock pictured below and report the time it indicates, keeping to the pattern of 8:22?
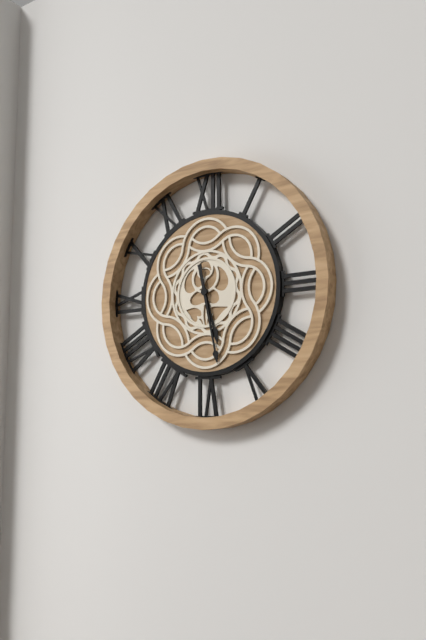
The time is 5:28
